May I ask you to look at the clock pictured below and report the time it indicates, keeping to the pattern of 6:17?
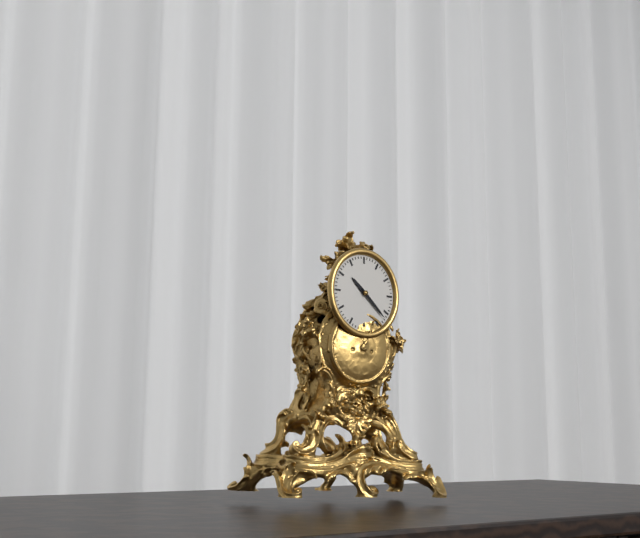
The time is 10:22
